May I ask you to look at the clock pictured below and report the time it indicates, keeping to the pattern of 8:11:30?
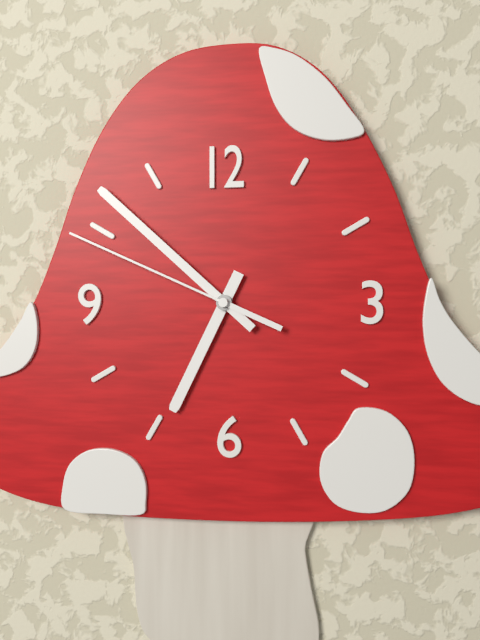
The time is 6:52:49
